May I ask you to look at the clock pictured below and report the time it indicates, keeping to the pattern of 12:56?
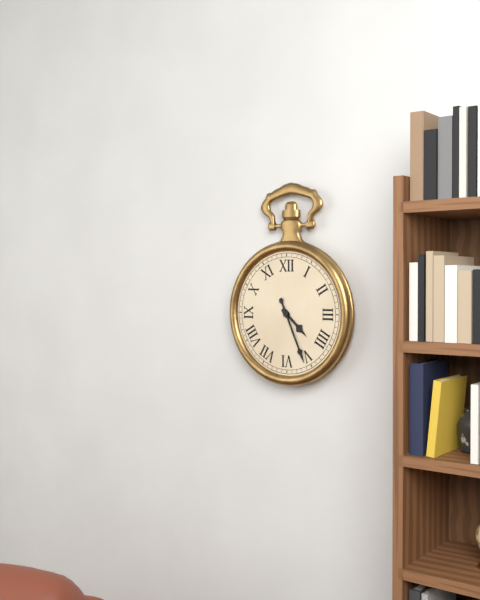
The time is 4:26
